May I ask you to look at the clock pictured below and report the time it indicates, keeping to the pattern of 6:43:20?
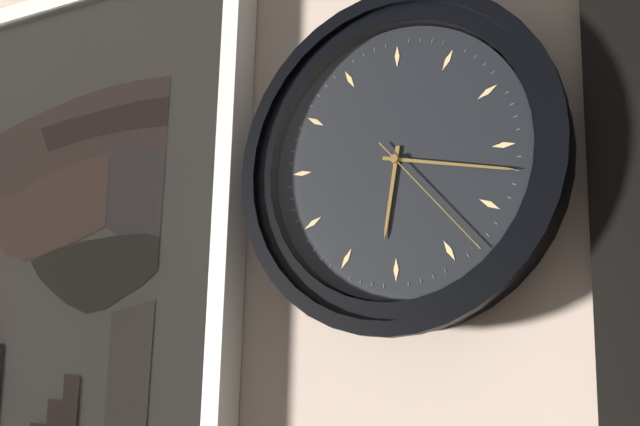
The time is 6:17:23
